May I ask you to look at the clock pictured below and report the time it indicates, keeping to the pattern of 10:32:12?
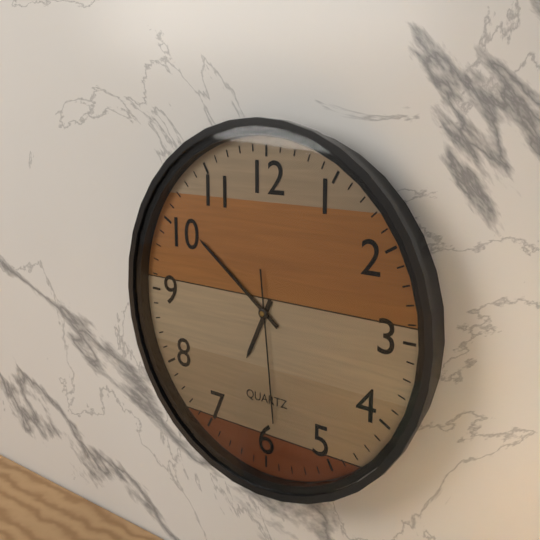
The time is 6:51:29
